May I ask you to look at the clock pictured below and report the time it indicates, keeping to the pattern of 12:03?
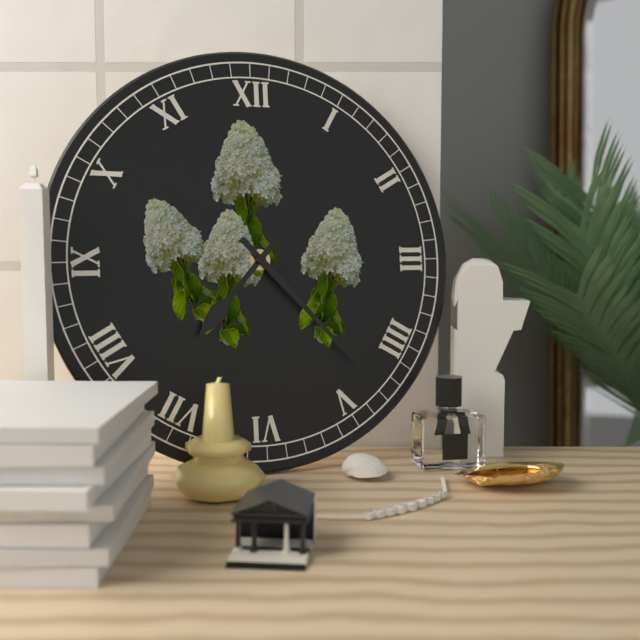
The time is 7:23
